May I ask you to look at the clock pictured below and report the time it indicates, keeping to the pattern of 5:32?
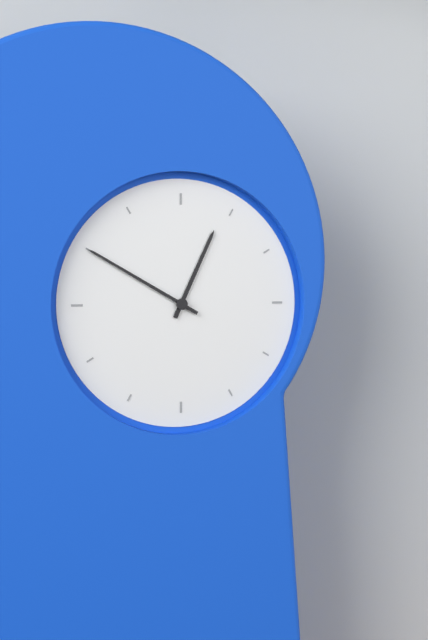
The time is 12:50
